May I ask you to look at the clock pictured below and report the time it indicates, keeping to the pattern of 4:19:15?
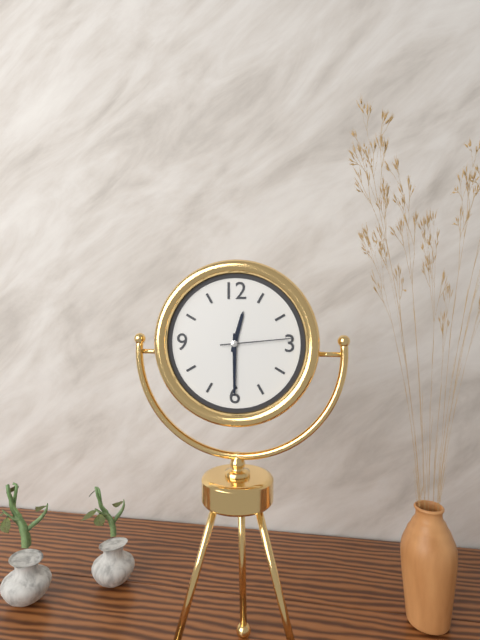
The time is 12:30:14
